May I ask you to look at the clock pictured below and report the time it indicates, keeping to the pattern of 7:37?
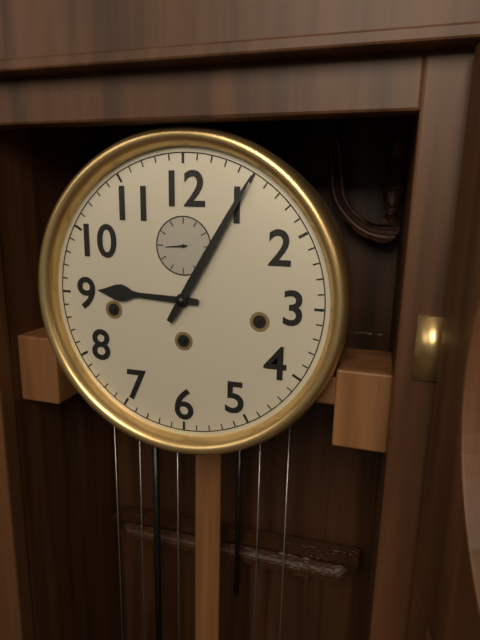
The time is 9:05
